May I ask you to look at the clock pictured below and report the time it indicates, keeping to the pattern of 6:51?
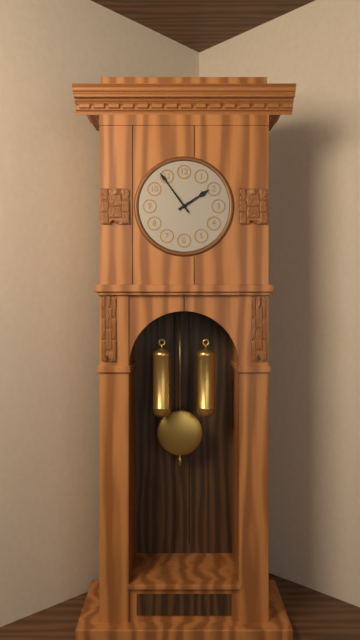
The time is 1:54
